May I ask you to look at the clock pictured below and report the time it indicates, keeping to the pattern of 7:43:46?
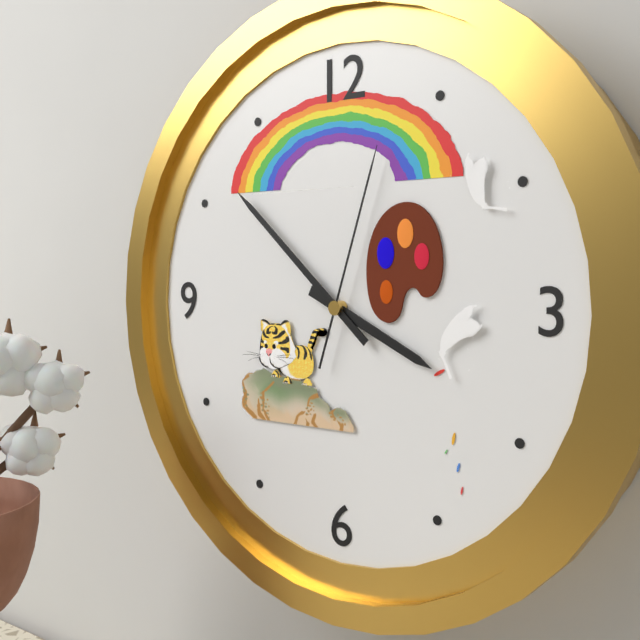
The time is 3:52:03
